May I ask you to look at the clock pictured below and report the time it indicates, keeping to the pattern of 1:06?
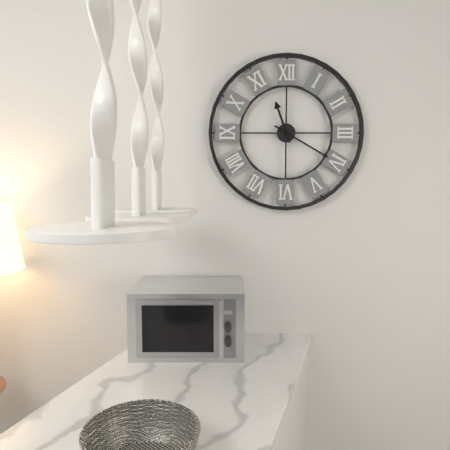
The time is 11:20
